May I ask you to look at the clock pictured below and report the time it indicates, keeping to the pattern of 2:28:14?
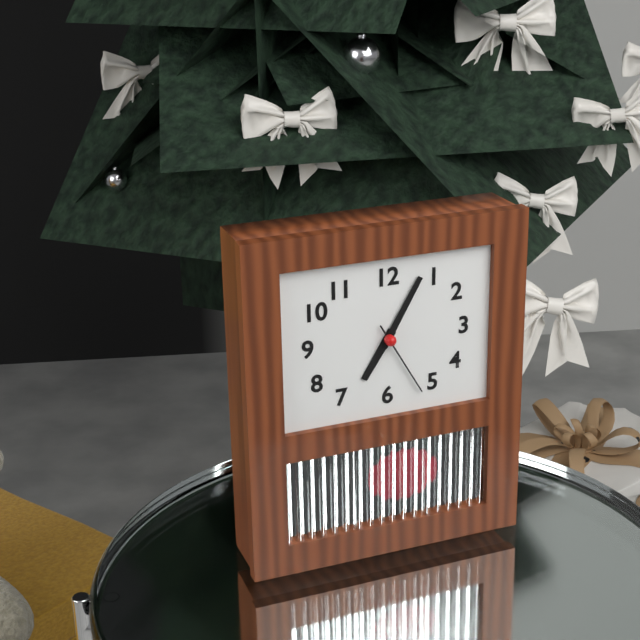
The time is 7:05:25
